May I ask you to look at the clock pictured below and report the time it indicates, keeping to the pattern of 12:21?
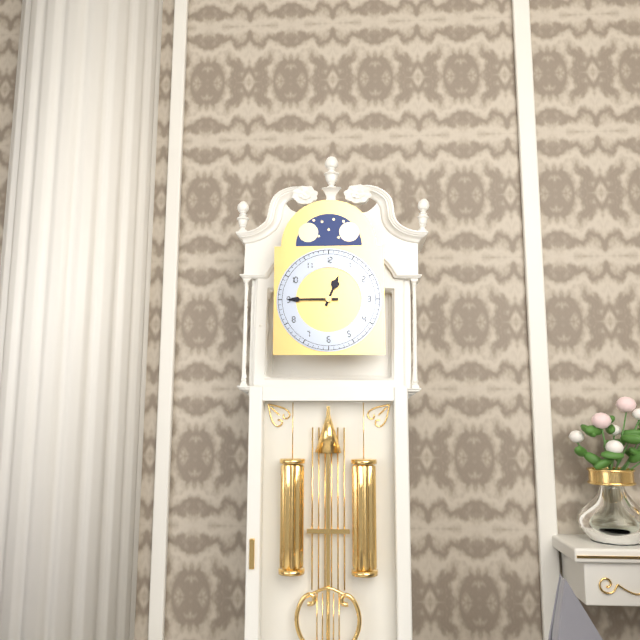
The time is 12:45
